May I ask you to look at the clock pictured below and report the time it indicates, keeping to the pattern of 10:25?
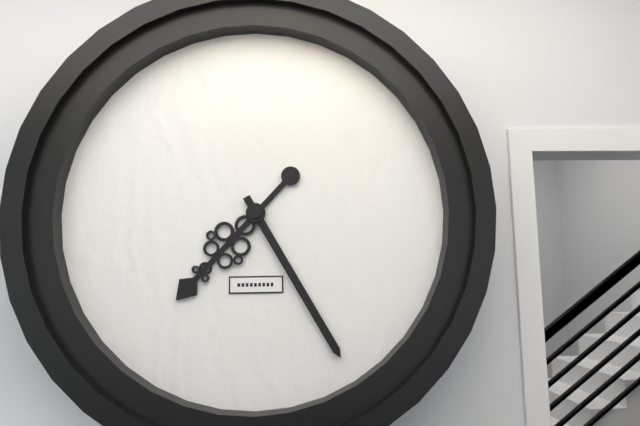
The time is 7:25
